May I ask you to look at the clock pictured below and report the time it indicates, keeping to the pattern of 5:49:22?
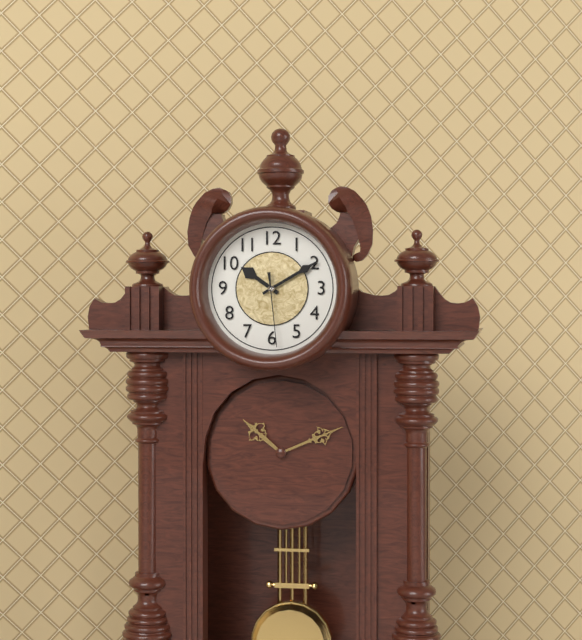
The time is 10:10:29
